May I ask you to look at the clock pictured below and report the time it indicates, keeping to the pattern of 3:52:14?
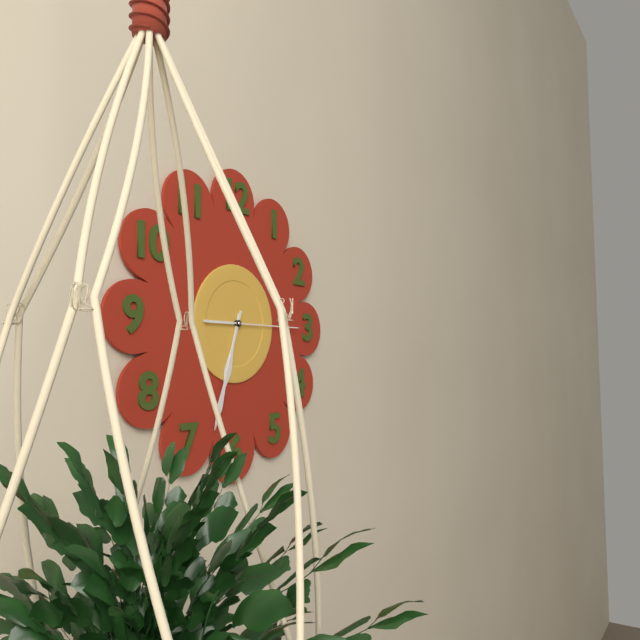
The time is 6:33:15
